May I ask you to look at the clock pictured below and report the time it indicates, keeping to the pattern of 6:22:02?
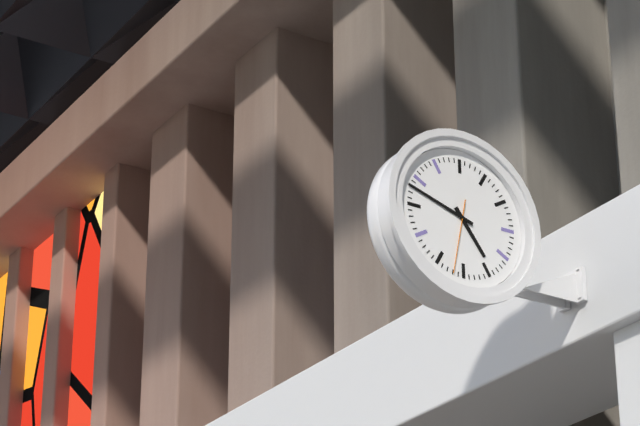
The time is 4:48:32
